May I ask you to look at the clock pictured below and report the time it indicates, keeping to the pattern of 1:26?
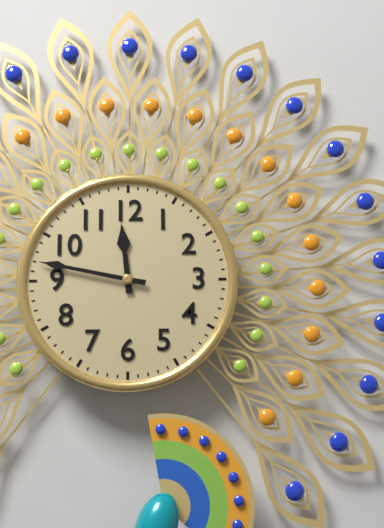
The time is 11:47
